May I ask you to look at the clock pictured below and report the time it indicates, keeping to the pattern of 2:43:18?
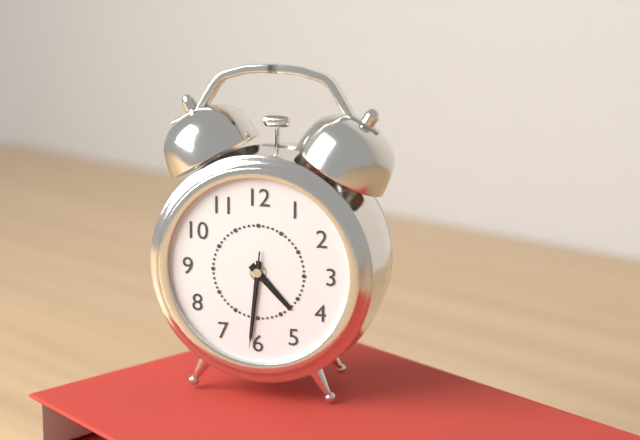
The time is 4:31:31
